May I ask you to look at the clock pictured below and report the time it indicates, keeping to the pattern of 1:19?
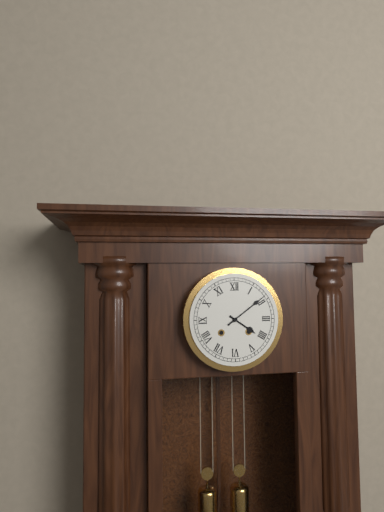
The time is 4:09
